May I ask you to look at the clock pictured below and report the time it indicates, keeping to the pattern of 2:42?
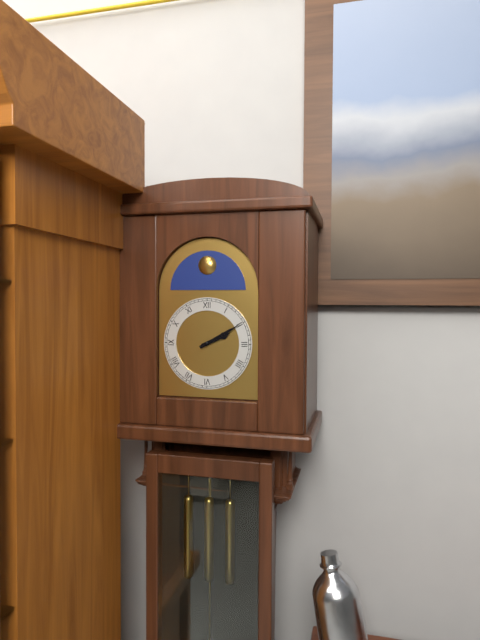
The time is 2:10
